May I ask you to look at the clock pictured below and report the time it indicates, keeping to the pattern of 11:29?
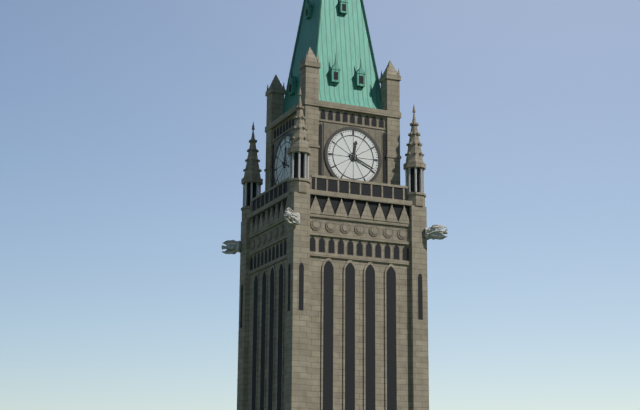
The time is 12:19
